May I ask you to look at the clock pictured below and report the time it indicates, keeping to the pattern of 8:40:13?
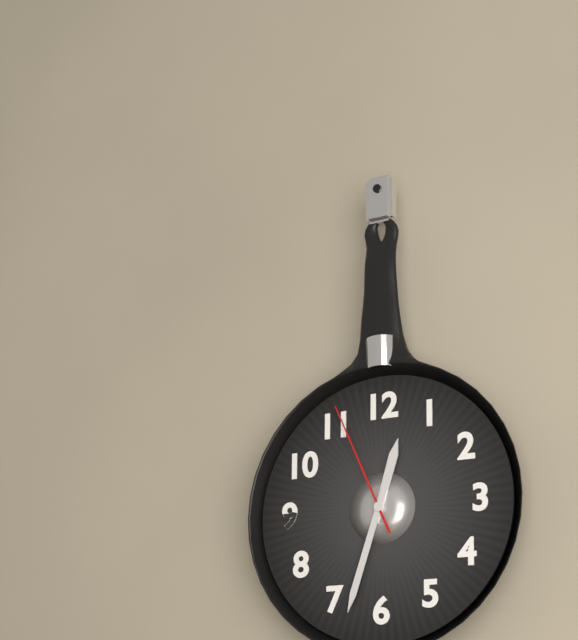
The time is 12:33:56
